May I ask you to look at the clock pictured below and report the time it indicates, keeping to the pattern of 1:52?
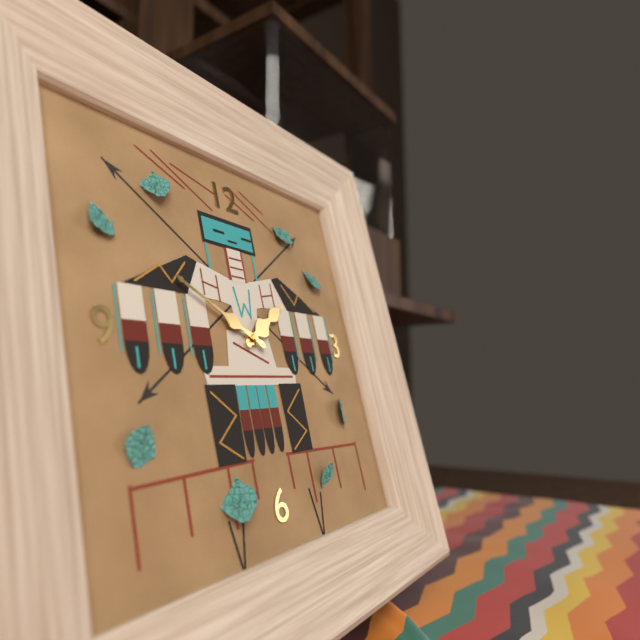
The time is 1:50
